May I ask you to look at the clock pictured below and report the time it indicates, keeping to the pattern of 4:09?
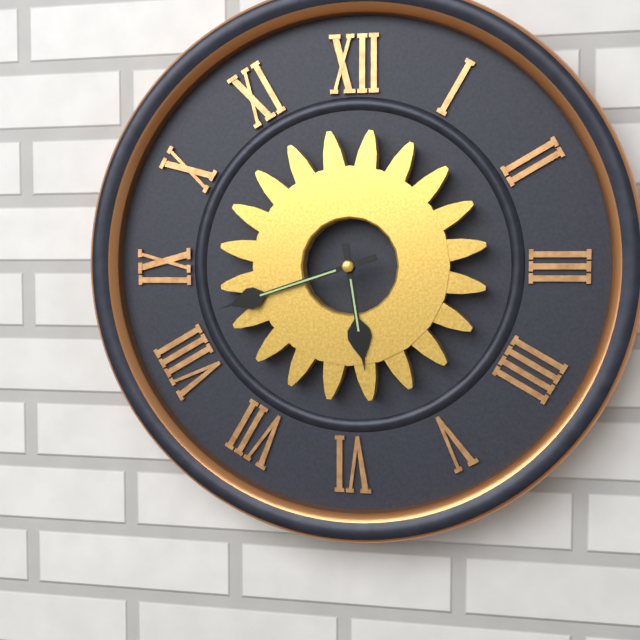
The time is 5:42
